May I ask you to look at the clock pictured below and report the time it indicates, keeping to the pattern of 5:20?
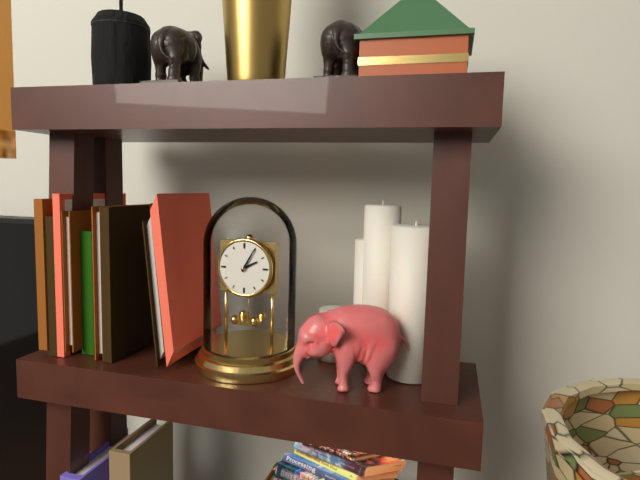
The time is 2:05
